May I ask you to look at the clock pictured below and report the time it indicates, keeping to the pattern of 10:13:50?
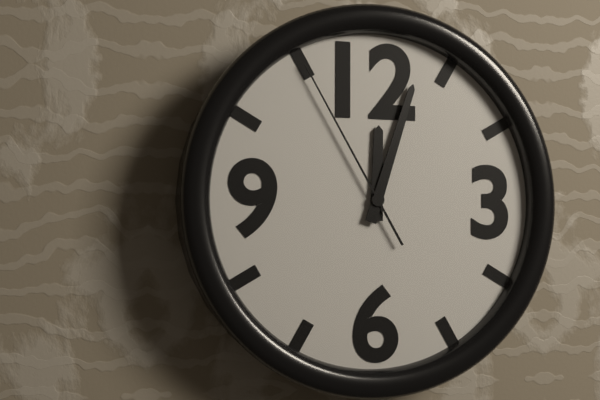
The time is 12:03:55
